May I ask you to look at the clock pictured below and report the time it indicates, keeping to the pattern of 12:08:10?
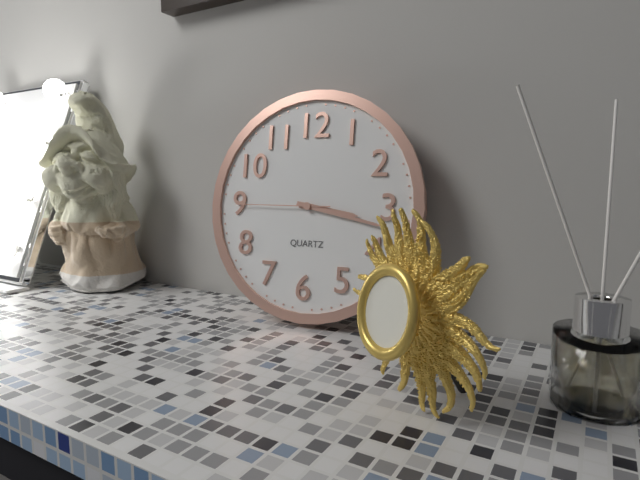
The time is 3:17:45
